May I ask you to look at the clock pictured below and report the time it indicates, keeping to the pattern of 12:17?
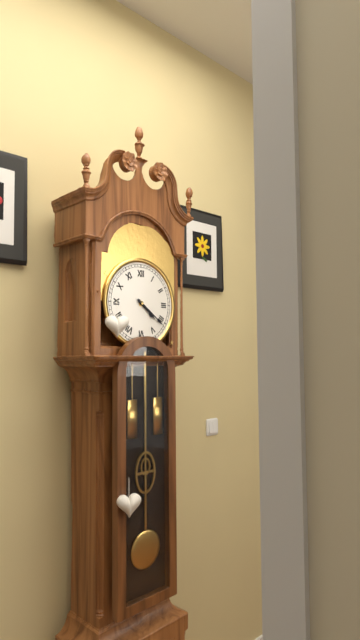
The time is 4:21
